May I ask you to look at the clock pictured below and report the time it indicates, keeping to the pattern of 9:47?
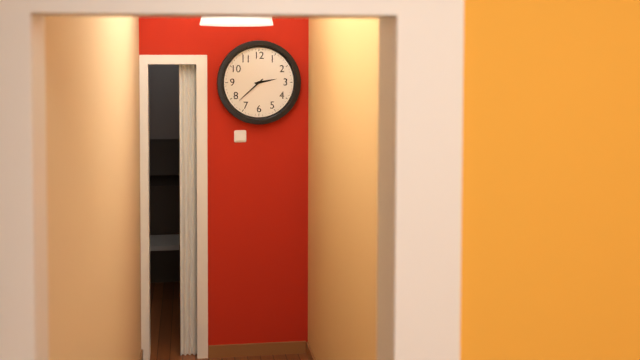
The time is 2:38
